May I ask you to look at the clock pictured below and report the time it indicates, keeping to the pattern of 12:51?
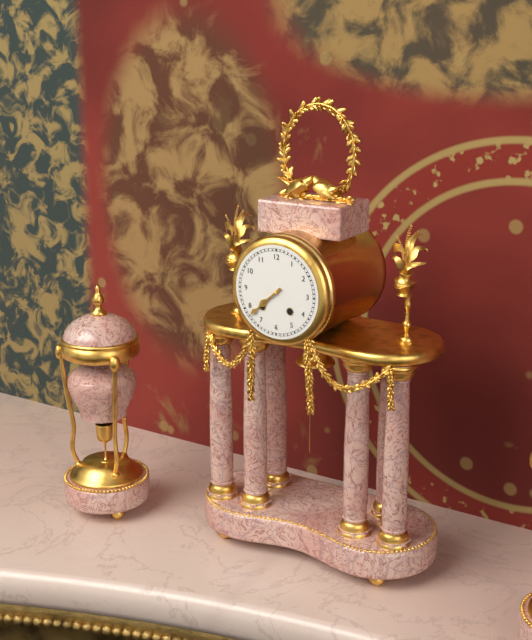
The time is 7:38
